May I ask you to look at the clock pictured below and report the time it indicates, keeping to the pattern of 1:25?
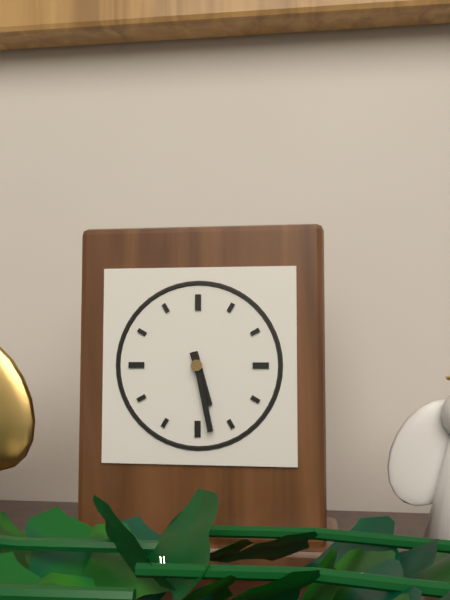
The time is 5:28
